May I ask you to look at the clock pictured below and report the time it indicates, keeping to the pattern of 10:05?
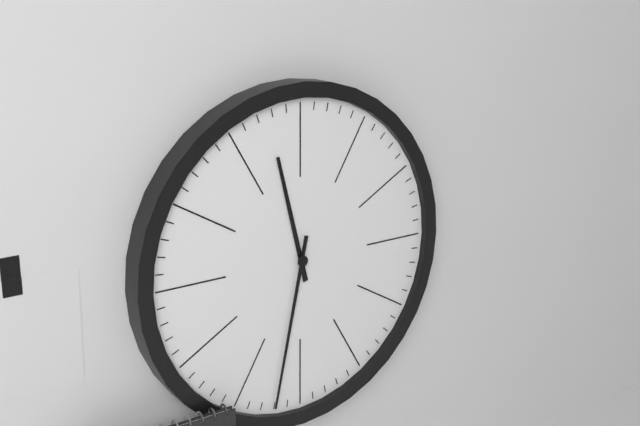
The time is 11:32
